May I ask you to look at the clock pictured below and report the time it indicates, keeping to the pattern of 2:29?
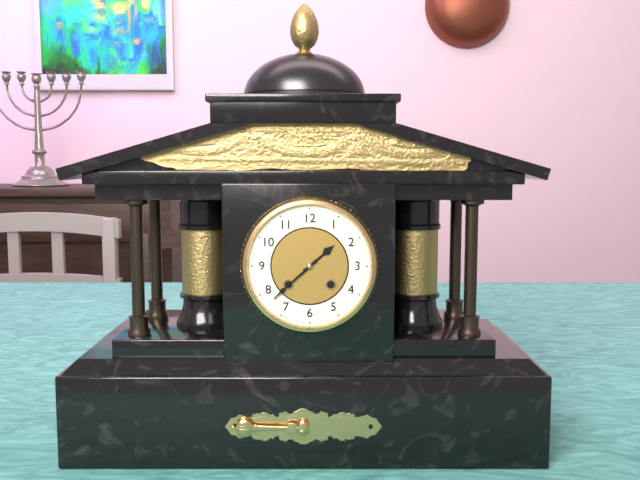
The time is 1:38
